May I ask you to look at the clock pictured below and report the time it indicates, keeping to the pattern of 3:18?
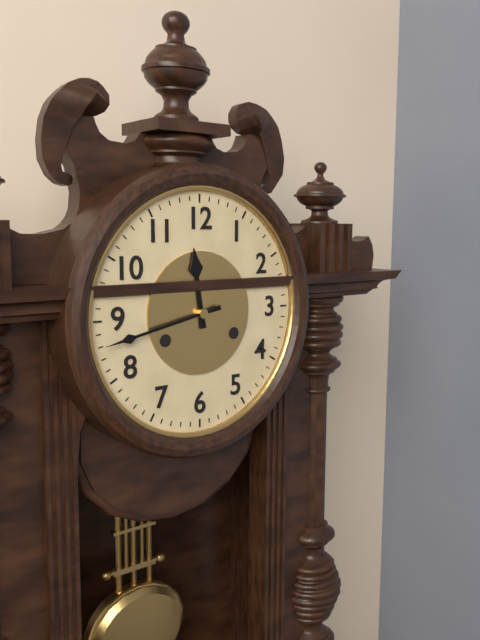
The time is 11:43
